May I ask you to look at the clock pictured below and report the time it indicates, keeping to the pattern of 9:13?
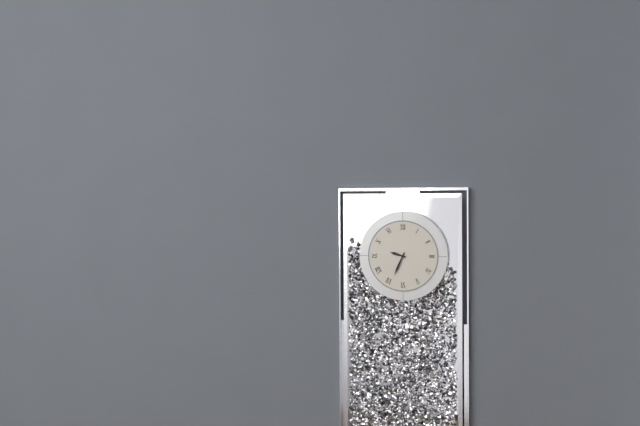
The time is 9:34
